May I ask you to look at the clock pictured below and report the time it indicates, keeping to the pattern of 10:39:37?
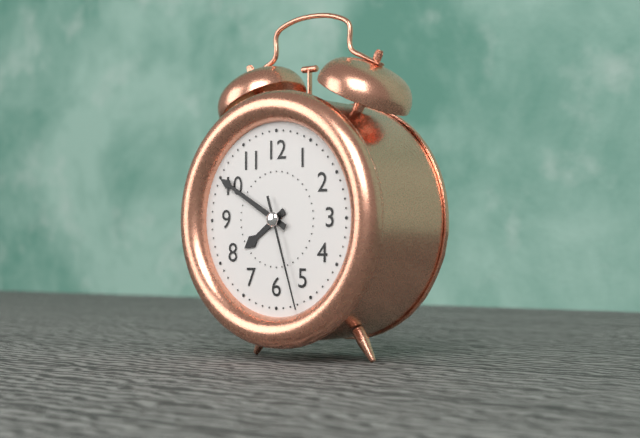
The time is 7:50:27
